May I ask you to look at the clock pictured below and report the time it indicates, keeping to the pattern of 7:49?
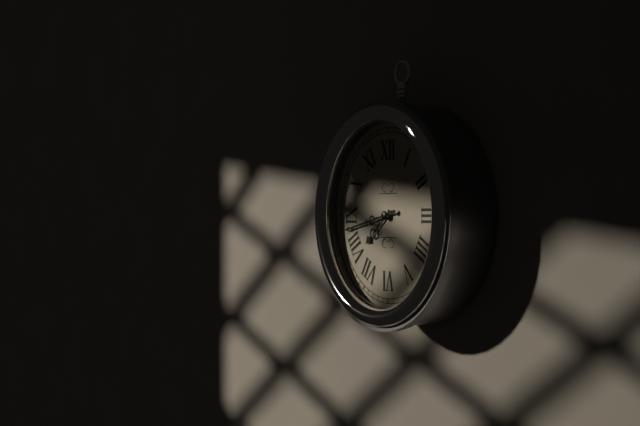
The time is 7:43
